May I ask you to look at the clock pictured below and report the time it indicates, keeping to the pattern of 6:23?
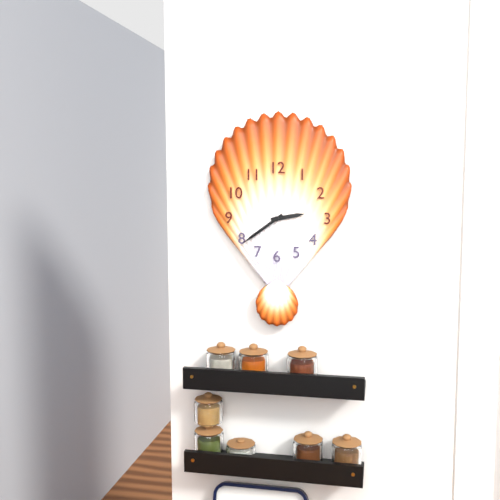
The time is 2:39
